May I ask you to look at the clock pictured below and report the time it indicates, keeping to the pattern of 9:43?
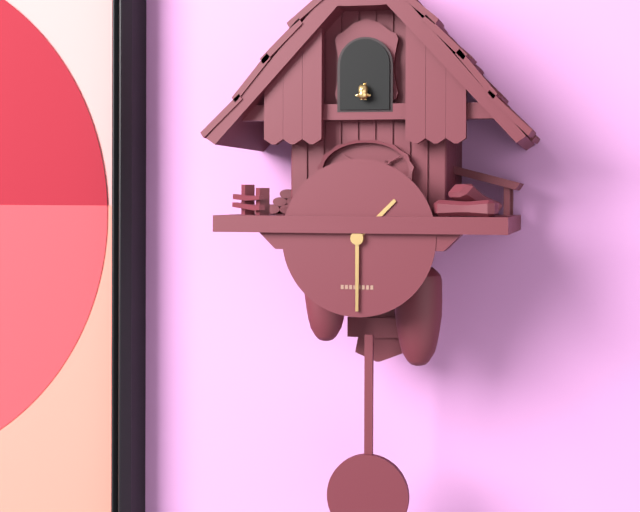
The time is 1:30
